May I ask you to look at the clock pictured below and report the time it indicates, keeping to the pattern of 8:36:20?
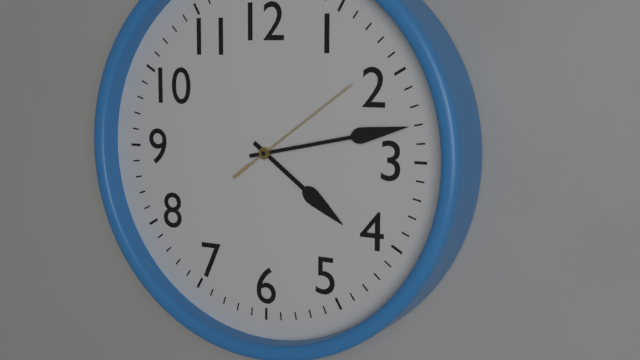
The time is 4:13:09
